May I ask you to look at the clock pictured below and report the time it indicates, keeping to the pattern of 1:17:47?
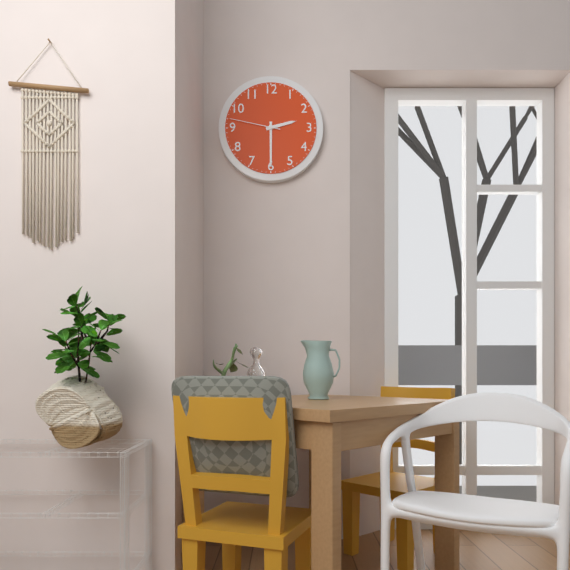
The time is 2:30:47
